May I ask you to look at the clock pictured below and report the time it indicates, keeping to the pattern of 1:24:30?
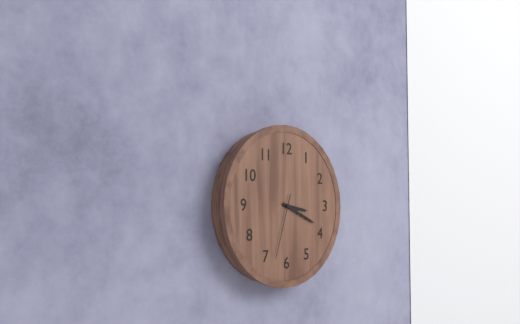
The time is 3:19:33
